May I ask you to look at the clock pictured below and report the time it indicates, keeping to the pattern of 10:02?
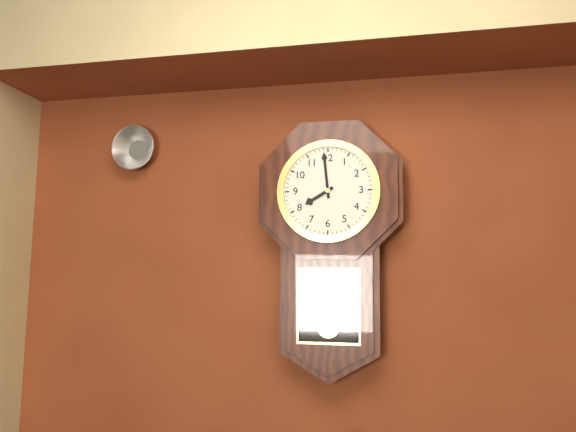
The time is 7:59
